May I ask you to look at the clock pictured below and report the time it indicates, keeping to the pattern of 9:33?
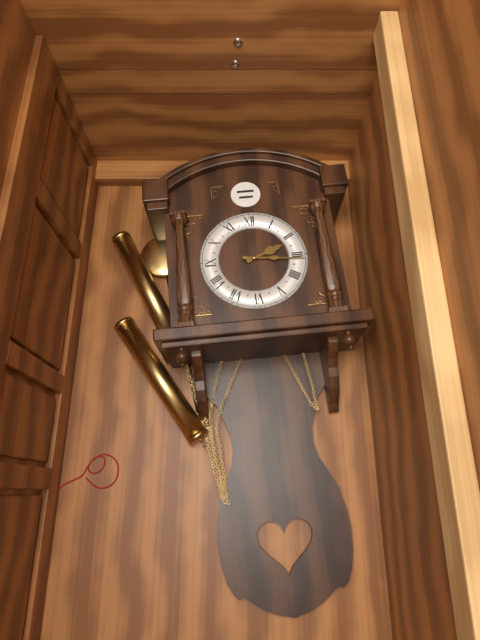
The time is 2:16
